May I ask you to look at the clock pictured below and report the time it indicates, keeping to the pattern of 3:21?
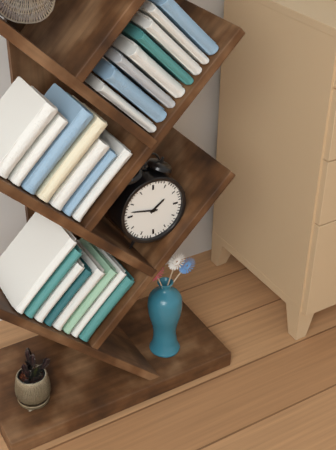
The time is 1:47
